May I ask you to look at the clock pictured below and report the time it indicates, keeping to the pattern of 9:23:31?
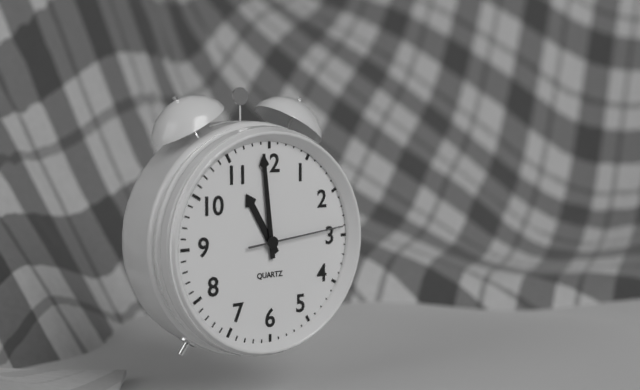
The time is 10:59:14
